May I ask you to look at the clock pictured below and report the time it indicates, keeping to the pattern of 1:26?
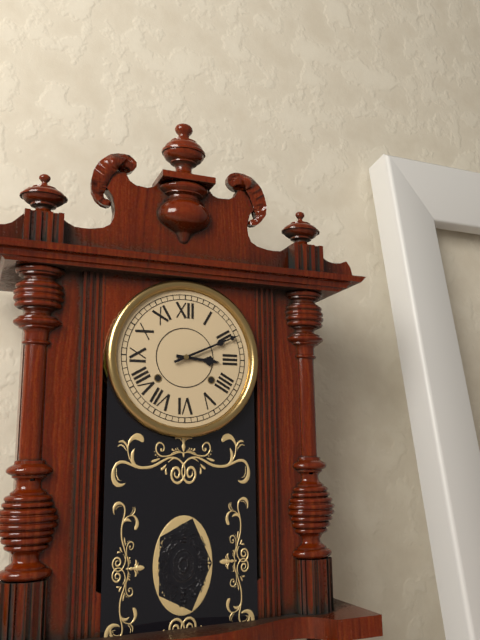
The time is 3:11
